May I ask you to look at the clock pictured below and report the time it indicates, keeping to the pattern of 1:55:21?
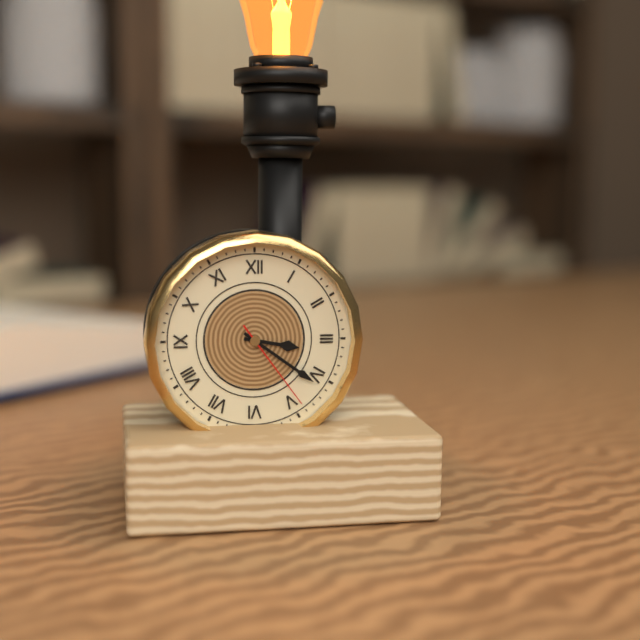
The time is 3:21:24
